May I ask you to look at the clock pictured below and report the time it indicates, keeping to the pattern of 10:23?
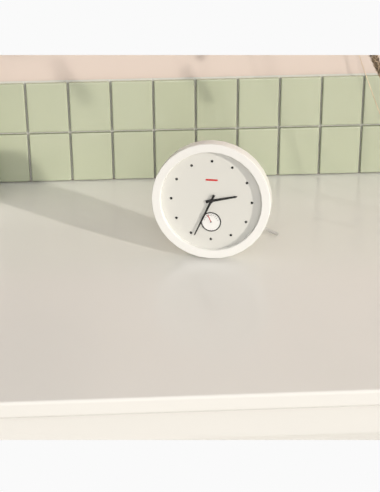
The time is 2:34
